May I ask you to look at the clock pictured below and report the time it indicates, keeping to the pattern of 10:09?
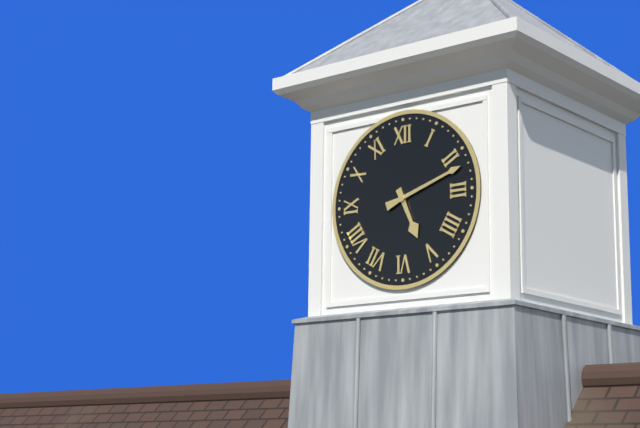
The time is 5:12
